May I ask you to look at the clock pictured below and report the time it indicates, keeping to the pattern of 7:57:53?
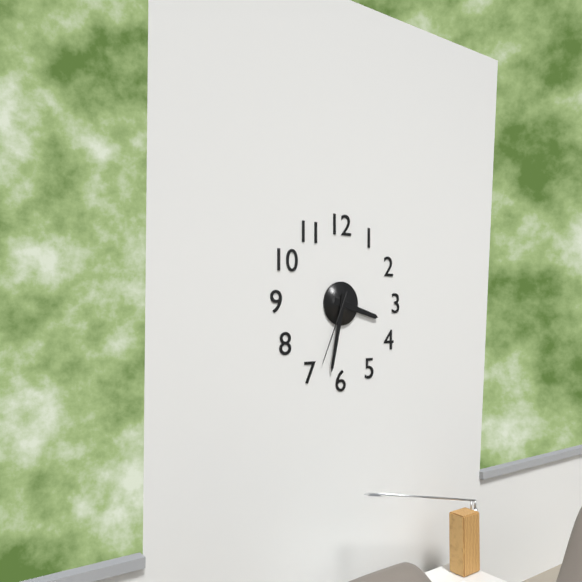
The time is 3:32:34
